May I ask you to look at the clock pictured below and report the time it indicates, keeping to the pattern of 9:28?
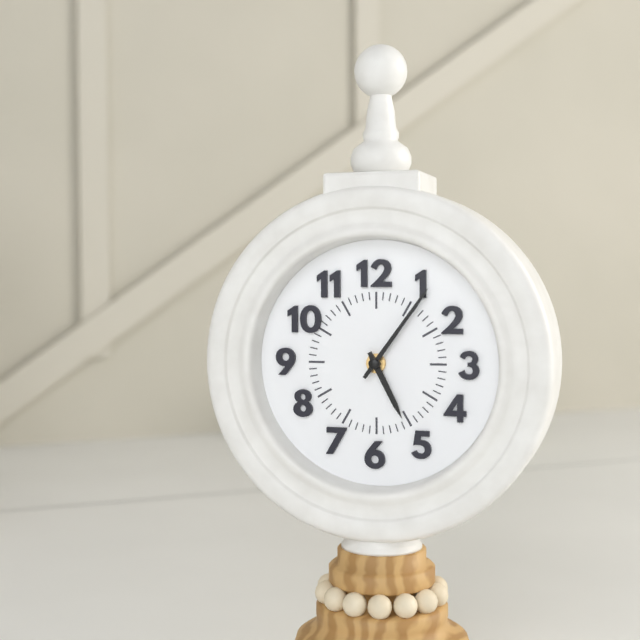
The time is 5:06
